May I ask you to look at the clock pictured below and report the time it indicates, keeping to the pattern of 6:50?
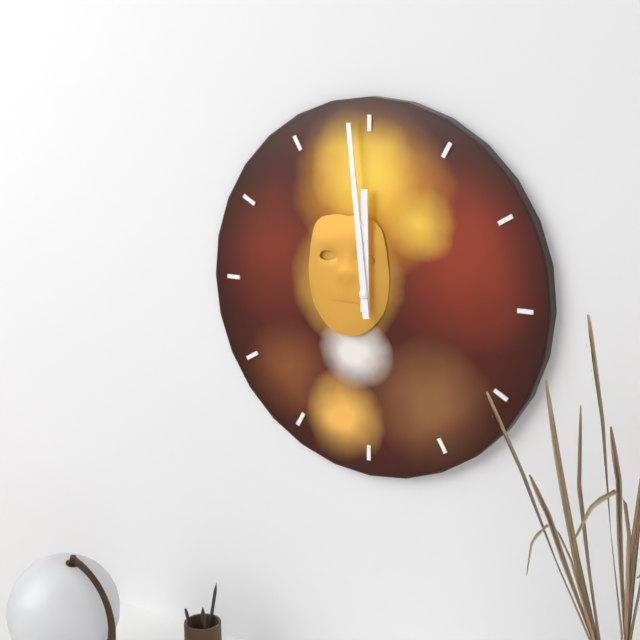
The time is 11:59
